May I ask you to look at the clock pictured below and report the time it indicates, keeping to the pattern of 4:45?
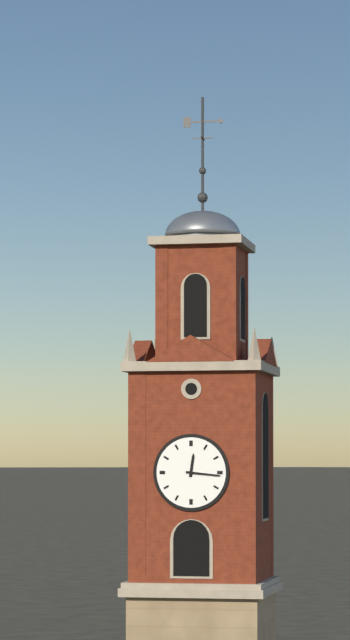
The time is 12:16
